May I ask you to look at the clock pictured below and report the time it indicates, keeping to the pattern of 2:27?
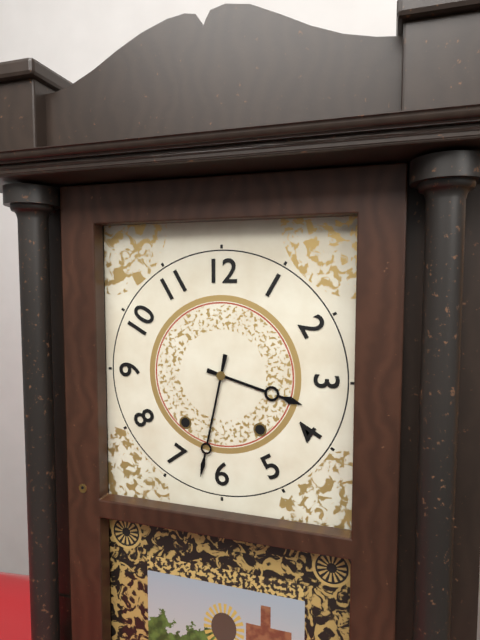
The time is 3:32
